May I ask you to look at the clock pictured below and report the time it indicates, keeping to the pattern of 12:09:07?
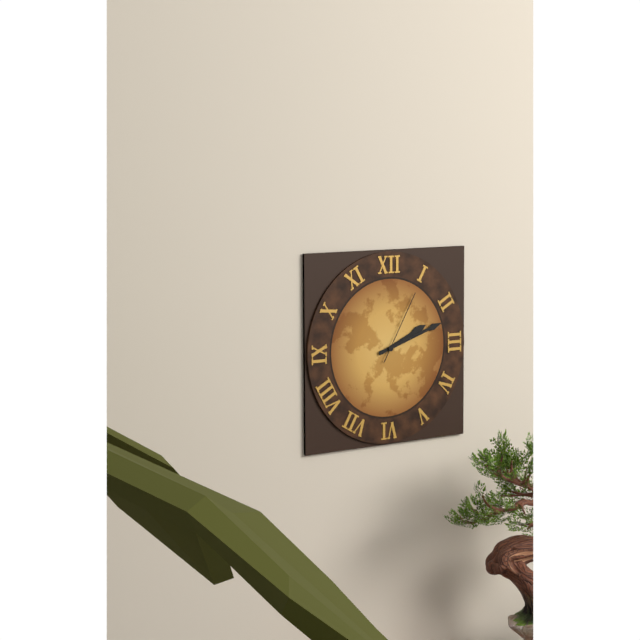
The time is 2:12:05
